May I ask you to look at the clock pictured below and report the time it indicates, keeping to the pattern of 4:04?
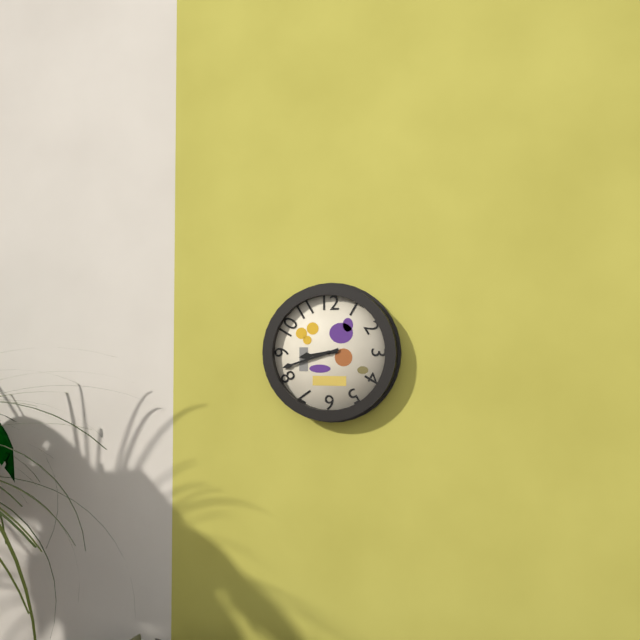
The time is 8:42
